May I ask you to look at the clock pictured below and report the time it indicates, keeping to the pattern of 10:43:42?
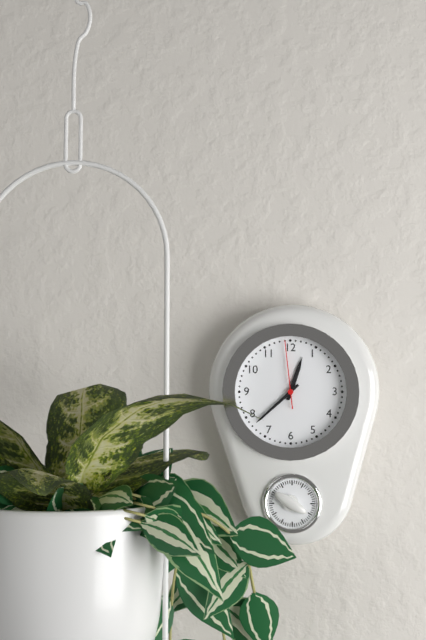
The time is 12:38:59
